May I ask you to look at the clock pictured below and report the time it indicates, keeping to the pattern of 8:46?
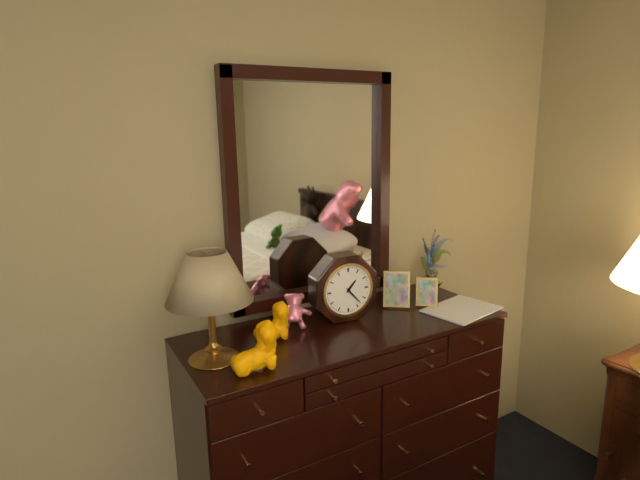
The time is 1:23
